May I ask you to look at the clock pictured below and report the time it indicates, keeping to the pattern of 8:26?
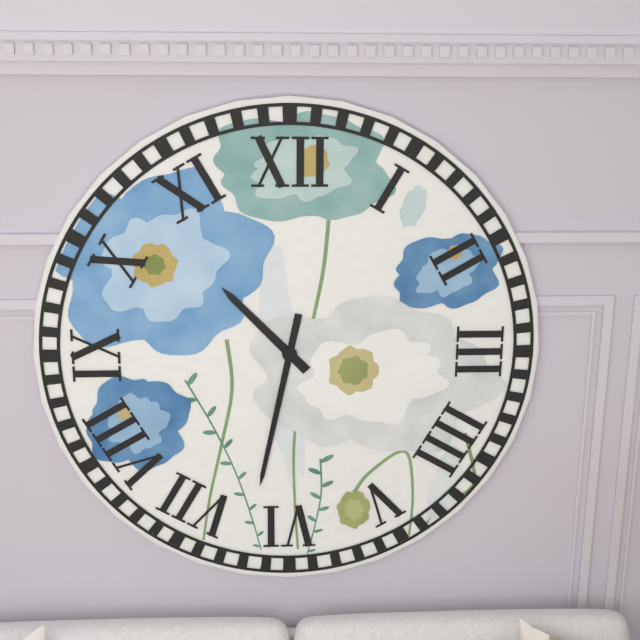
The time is 10:32
